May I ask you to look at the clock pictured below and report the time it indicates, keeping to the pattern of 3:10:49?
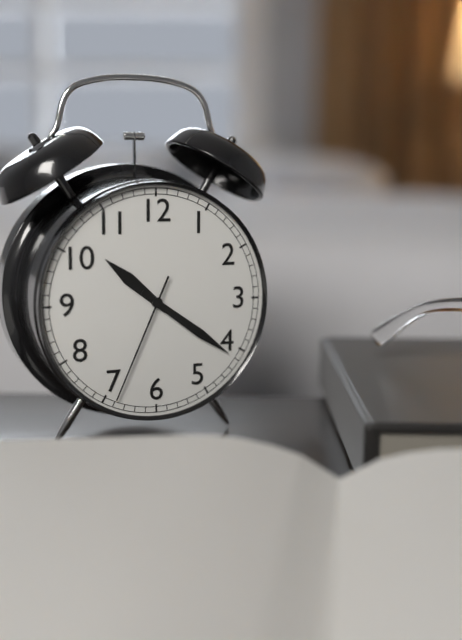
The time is 10:21:34
